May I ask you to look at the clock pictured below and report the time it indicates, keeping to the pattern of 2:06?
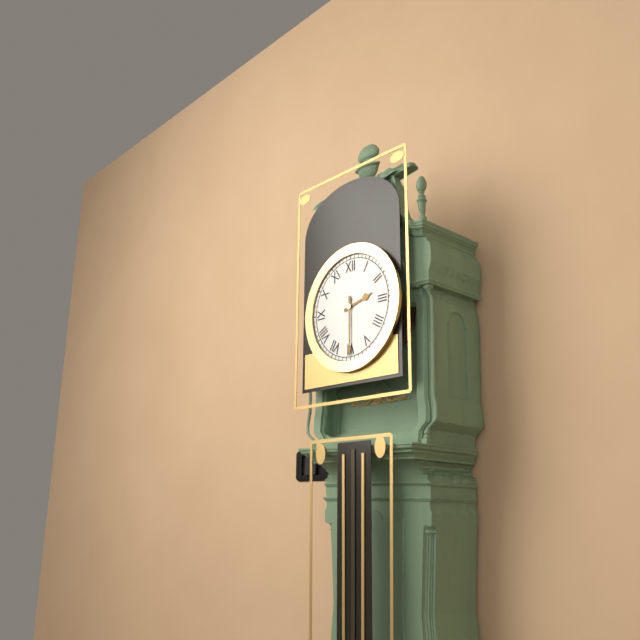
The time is 2:30
